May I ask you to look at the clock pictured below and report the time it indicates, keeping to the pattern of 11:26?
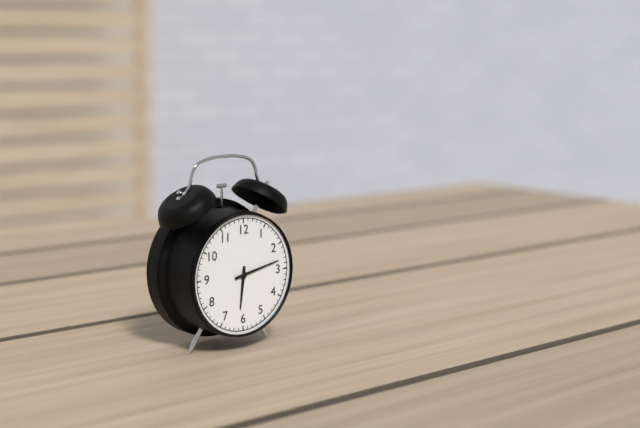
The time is 6:13
